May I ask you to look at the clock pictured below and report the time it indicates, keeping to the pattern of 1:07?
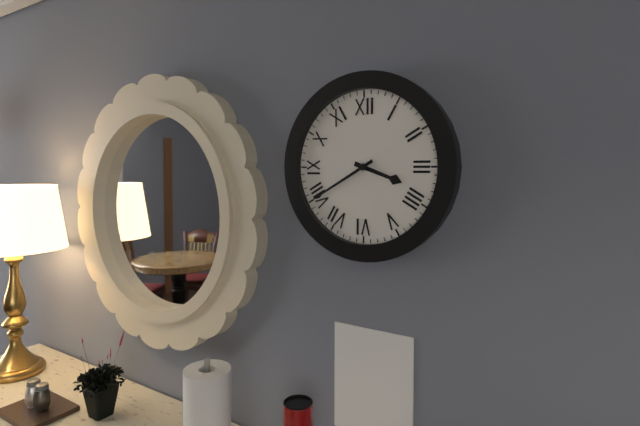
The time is 3:40
